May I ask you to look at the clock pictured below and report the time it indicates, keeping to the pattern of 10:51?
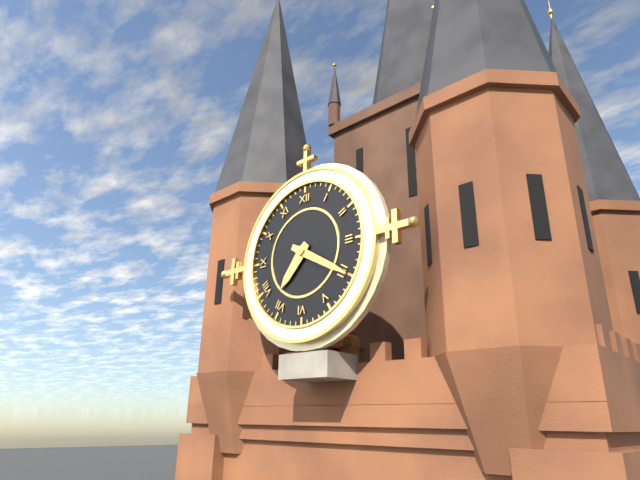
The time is 7:20
